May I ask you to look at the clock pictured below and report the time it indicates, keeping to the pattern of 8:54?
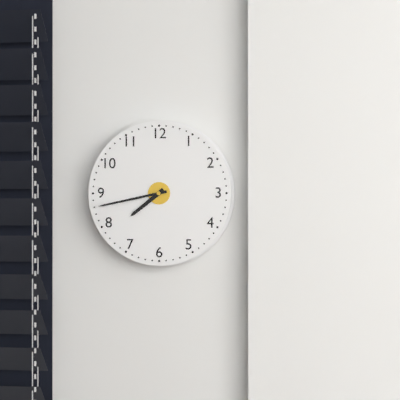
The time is 7:43
